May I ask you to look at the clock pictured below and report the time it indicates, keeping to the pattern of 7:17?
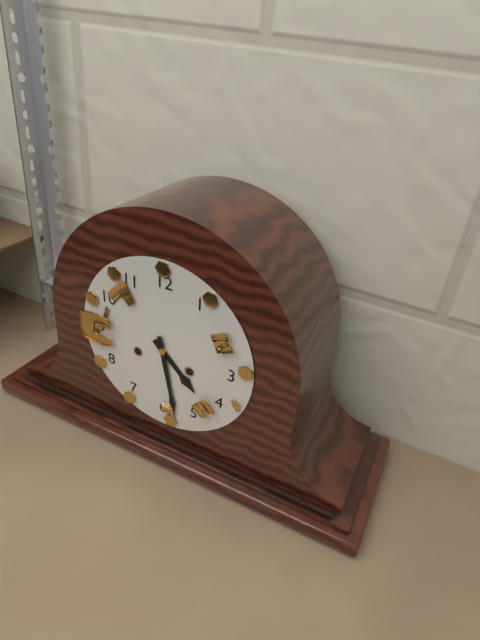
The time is 4:28
